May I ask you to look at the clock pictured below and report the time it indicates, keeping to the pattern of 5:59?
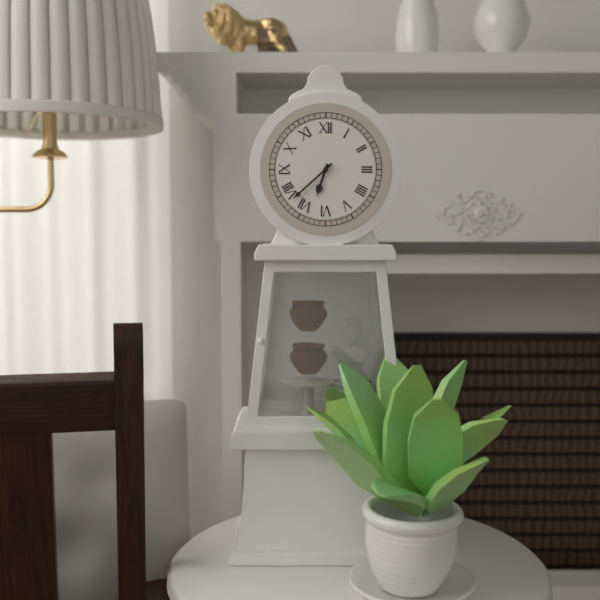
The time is 6:38
